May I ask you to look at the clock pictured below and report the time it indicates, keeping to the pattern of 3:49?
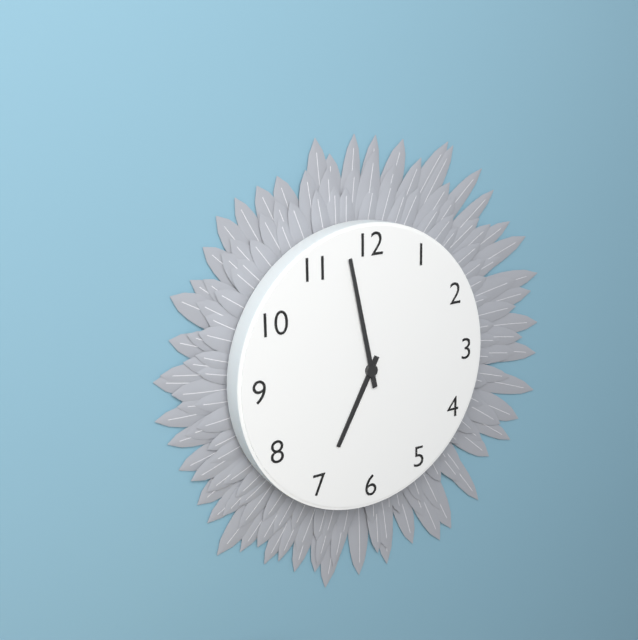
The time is 6:58
